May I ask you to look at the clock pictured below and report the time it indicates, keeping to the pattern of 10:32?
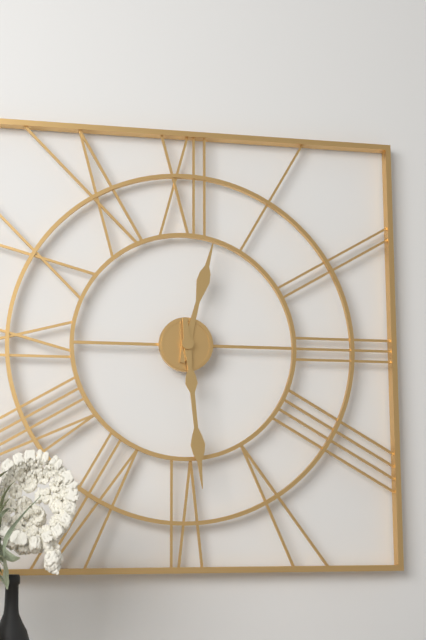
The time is 12:29
